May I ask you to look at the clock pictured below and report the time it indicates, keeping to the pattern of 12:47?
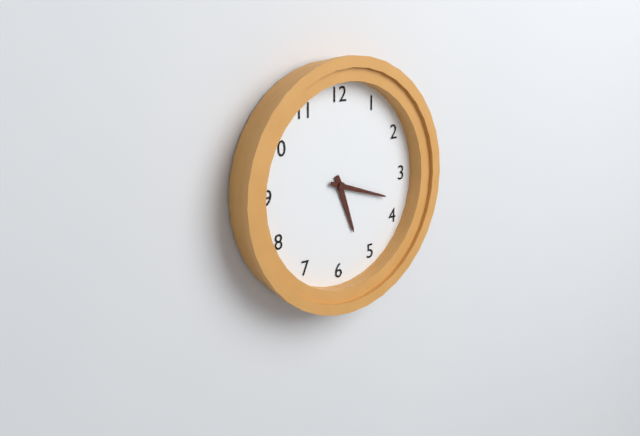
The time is 5:18
